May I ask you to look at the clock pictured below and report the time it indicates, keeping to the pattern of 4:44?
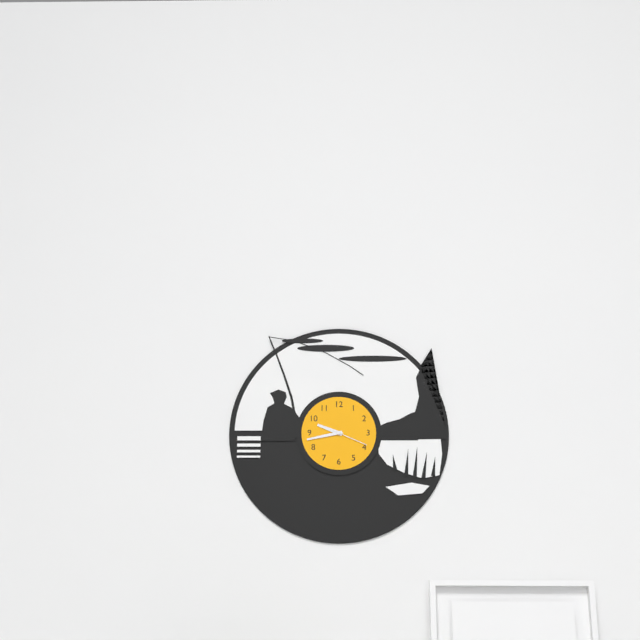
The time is 9:43
